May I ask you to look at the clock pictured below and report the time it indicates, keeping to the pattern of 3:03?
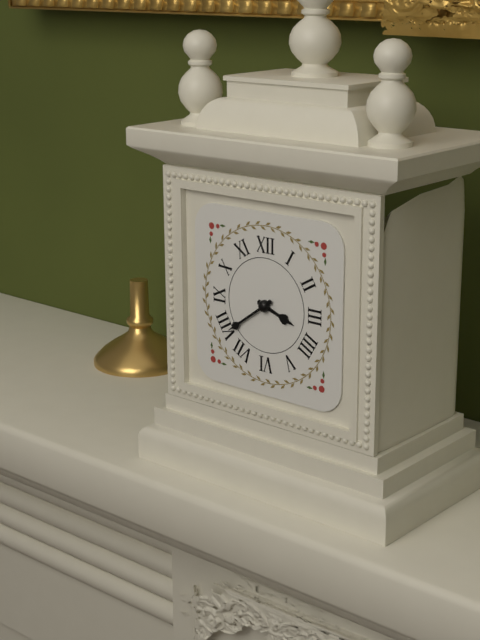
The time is 3:39
